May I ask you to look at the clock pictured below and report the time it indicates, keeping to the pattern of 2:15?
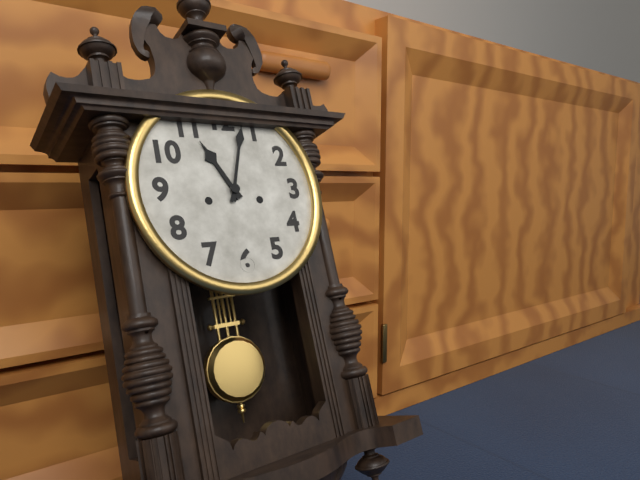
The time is 11:03
